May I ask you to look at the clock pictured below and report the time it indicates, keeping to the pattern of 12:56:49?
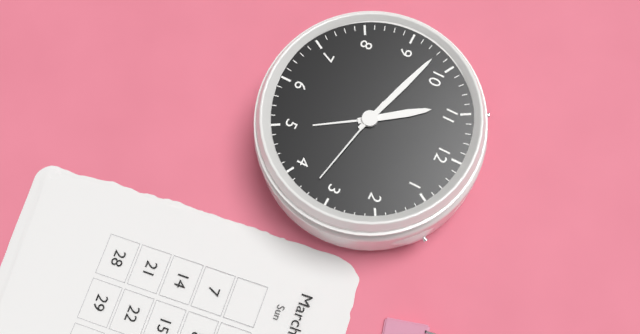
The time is 10:48:17
